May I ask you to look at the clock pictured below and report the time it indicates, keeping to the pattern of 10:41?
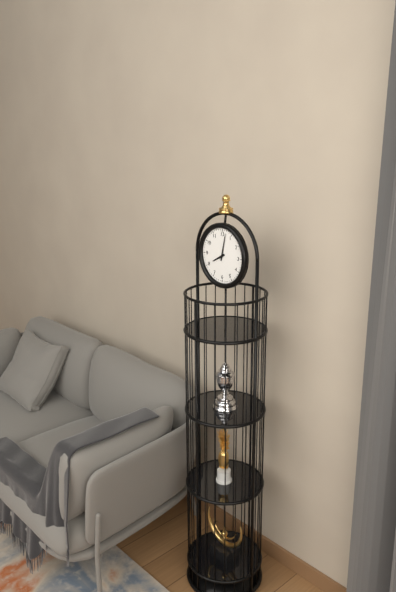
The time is 8:02
